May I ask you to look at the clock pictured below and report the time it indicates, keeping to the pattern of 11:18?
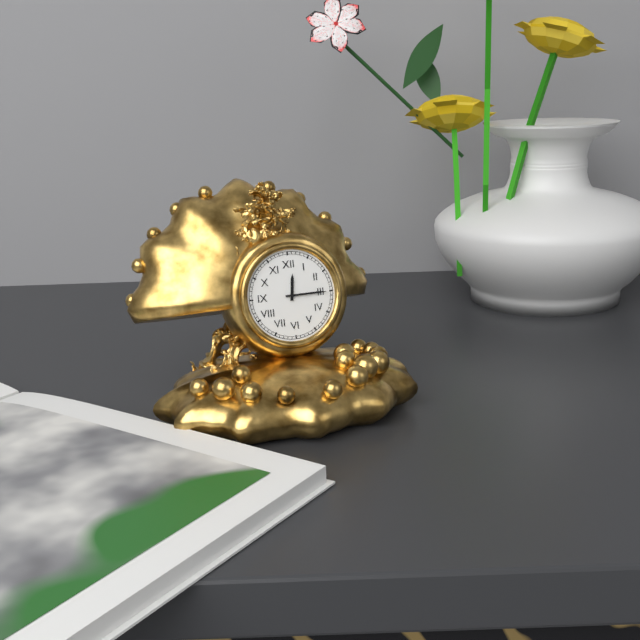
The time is 12:15
